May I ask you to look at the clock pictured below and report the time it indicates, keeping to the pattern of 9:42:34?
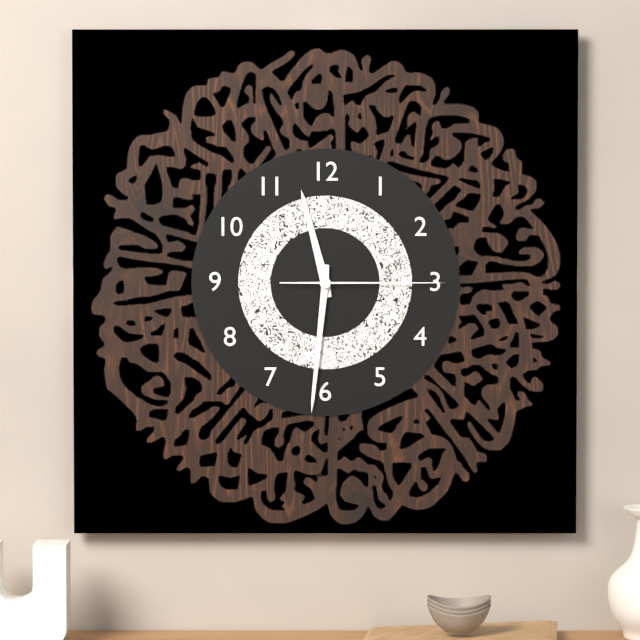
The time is 11:31:15
